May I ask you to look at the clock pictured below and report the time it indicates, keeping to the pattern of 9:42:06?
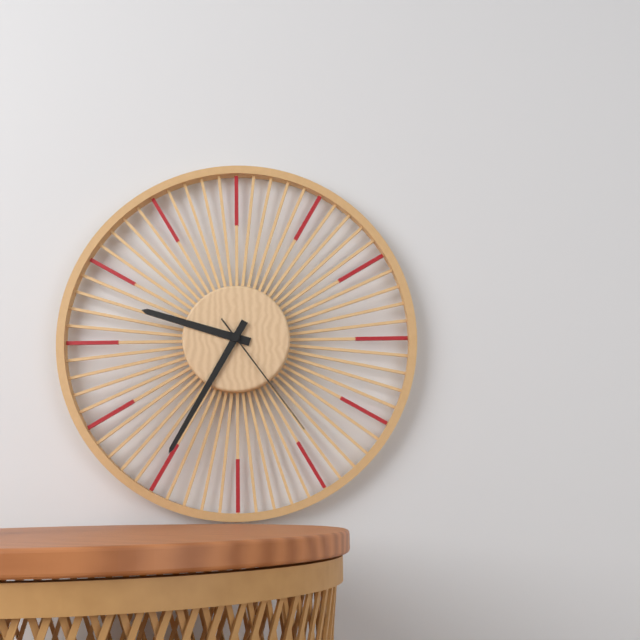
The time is 9:35:24
